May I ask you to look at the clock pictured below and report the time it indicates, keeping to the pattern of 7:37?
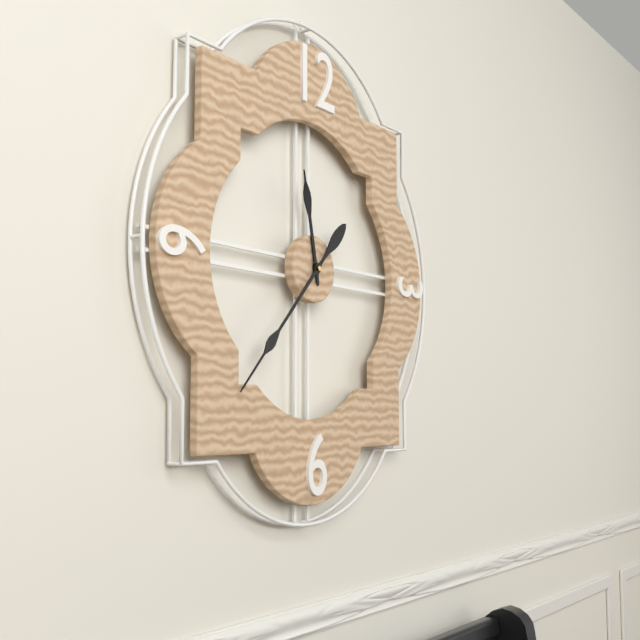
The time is 11:37
